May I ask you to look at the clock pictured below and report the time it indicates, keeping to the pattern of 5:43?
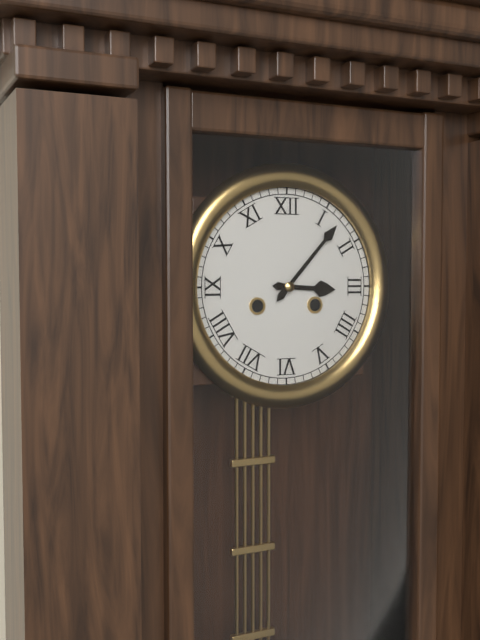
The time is 3:07
